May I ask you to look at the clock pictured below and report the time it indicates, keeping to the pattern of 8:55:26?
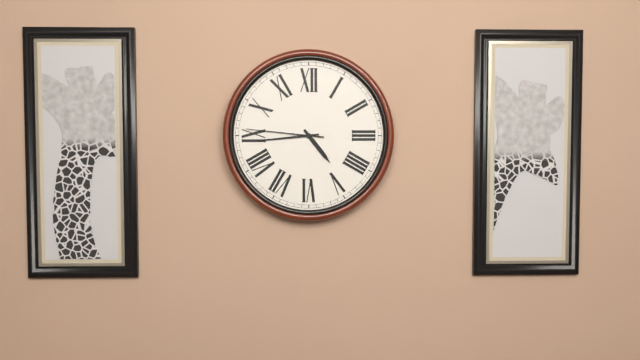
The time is 4:44:46
